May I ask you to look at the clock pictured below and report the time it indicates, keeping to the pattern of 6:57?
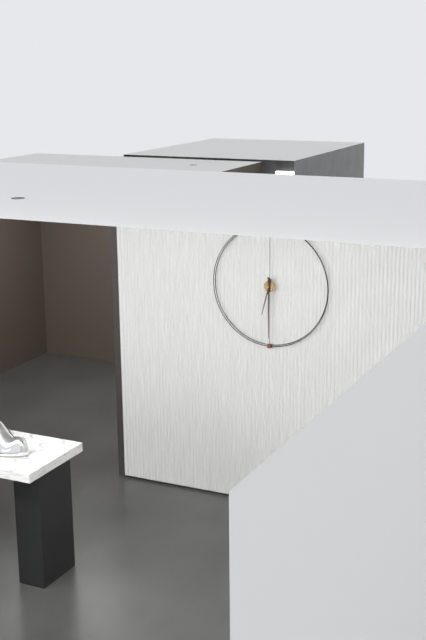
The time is 6:30
